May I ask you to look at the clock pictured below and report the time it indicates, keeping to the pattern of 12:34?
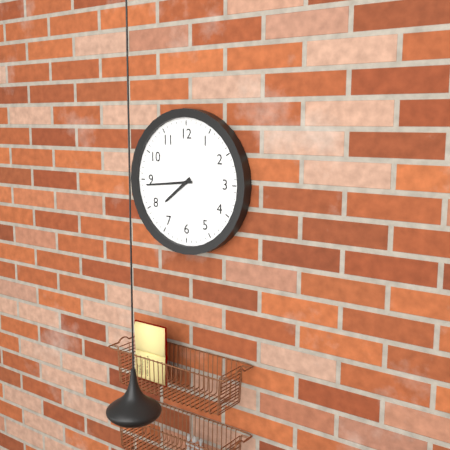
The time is 7:44
